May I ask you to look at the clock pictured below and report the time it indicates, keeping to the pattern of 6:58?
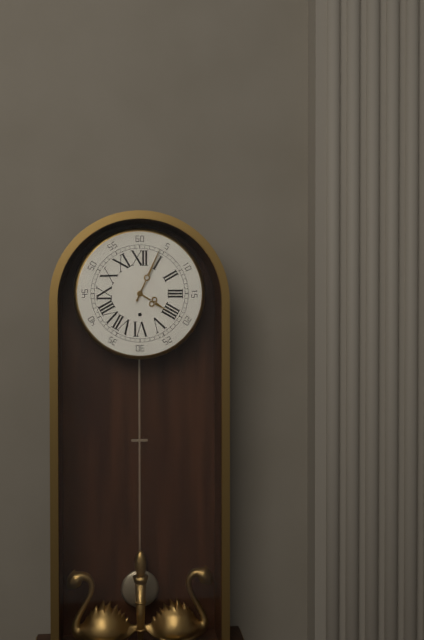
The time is 4:04
